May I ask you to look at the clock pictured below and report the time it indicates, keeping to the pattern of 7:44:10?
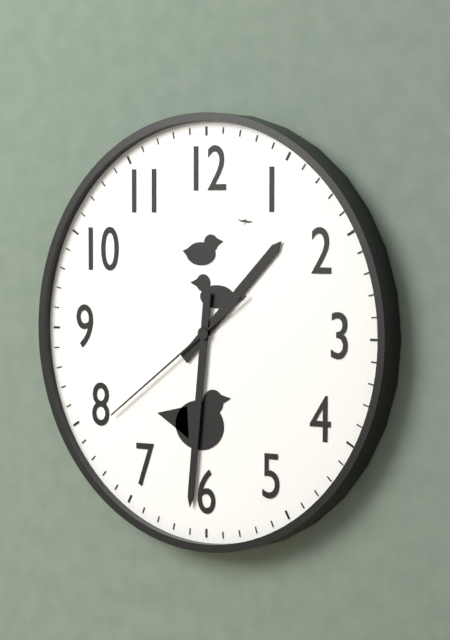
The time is 1:31:39
